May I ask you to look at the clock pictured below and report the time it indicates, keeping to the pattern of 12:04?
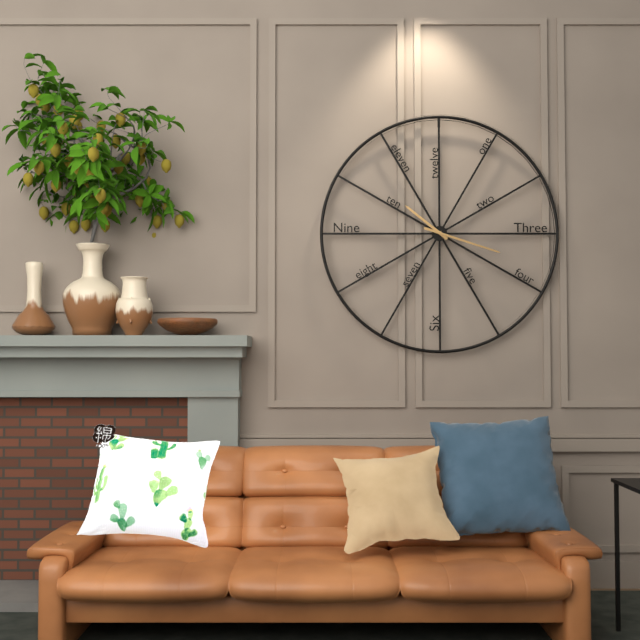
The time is 10:18
